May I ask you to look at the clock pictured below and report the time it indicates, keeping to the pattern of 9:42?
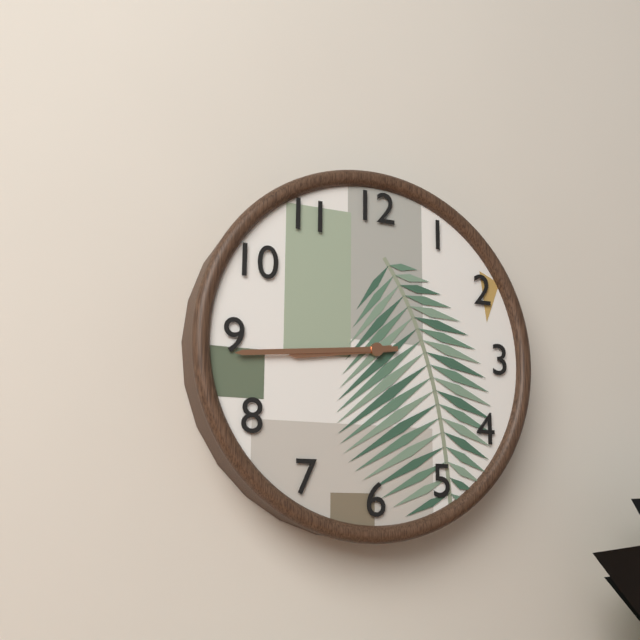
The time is 8:44
